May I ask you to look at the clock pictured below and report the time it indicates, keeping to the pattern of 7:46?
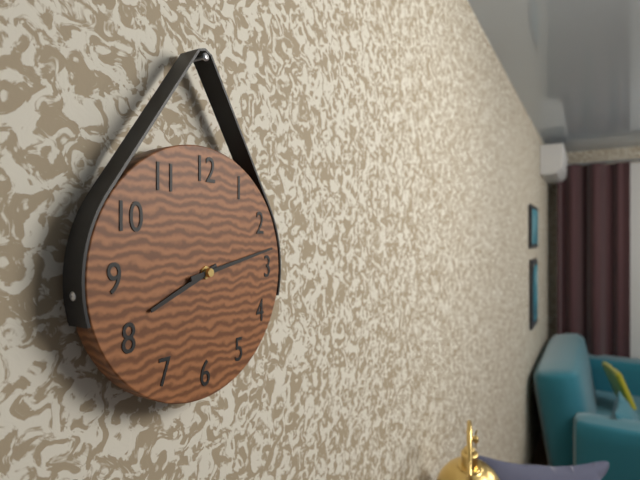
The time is 8:13
